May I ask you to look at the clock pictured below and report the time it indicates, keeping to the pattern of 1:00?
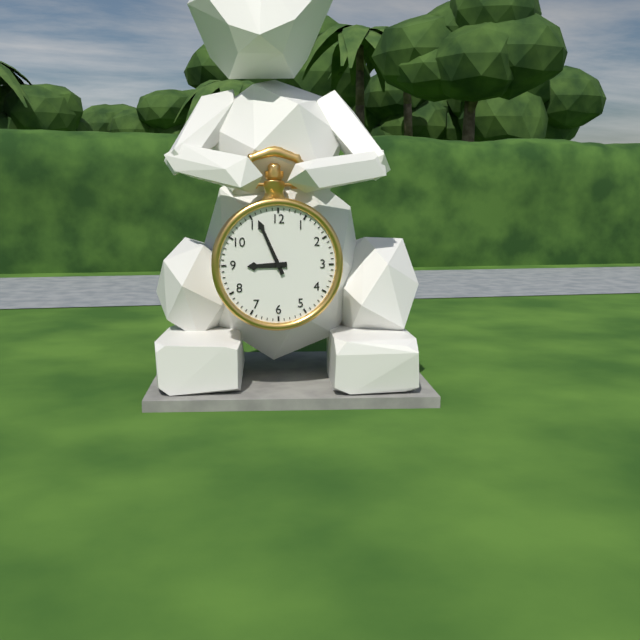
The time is 8:56
